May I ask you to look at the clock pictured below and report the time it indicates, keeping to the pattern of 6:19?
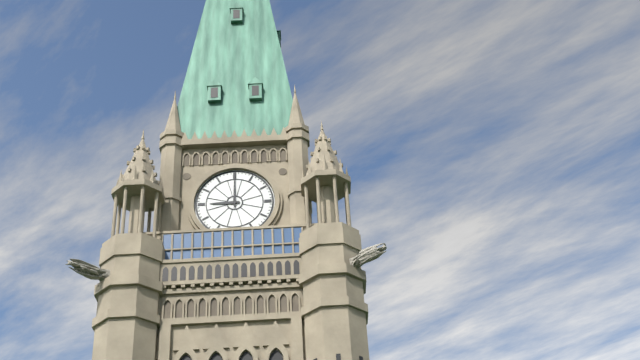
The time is 9:00
